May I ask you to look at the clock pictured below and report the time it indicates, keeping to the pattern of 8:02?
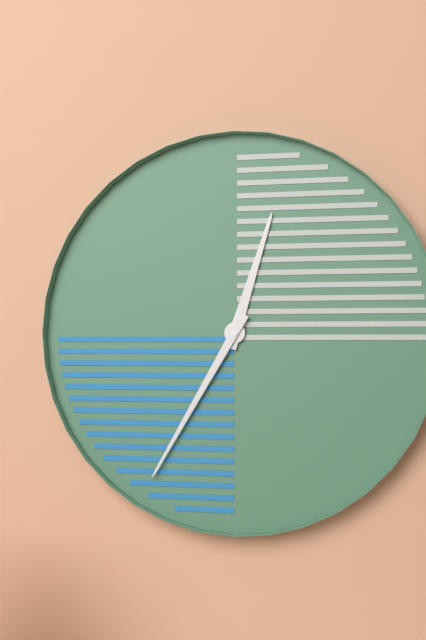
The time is 12:35
